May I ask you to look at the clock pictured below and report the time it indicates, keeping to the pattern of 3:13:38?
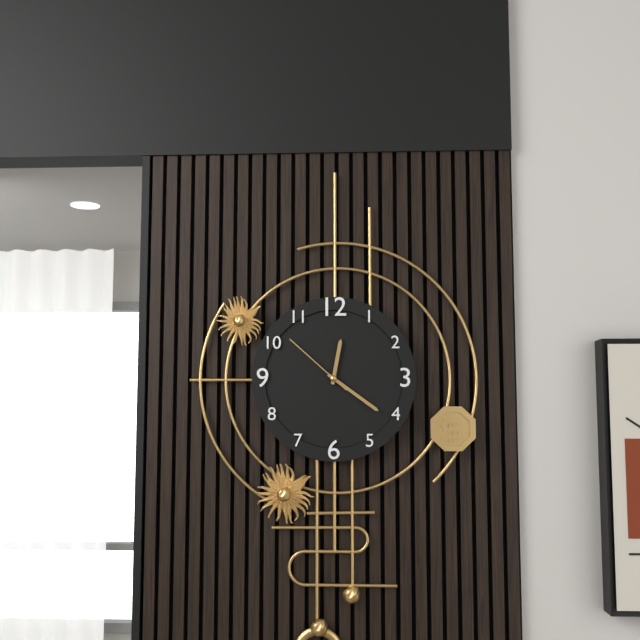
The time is 12:21:52
